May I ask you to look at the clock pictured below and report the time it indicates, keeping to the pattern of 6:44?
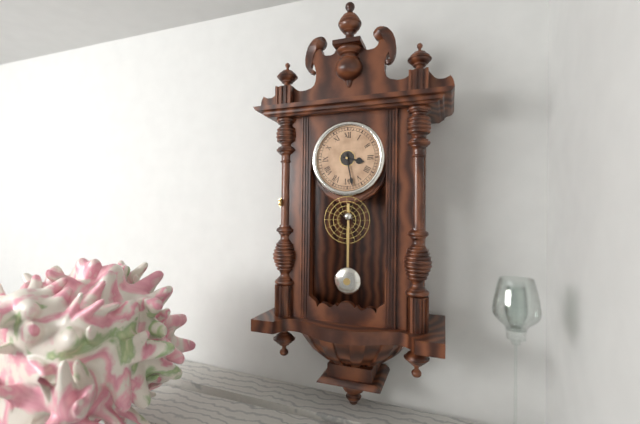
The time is 3:28
